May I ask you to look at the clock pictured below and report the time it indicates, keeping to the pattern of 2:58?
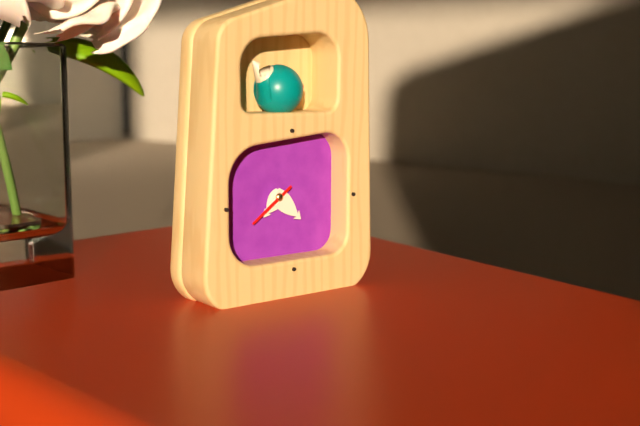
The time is 7:22
